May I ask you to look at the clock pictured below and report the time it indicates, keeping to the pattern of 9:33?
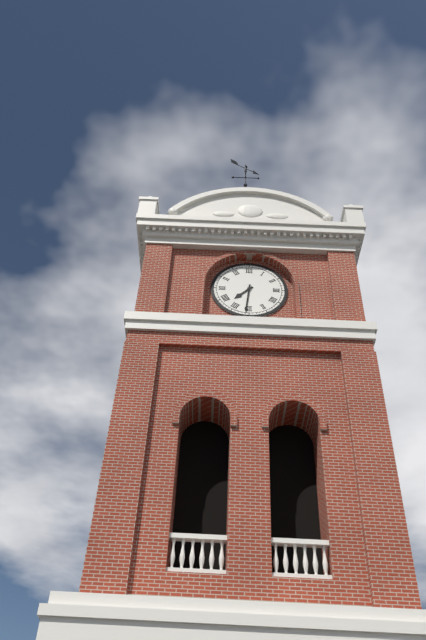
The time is 7:31
